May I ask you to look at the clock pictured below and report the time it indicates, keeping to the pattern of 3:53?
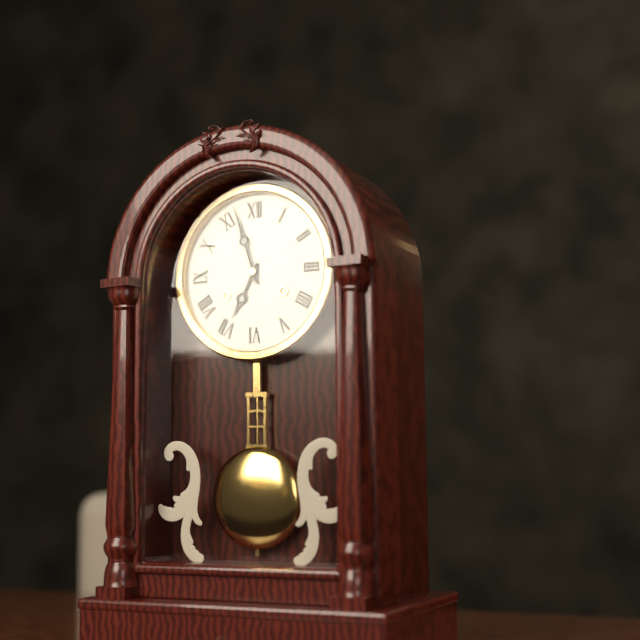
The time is 6:57
